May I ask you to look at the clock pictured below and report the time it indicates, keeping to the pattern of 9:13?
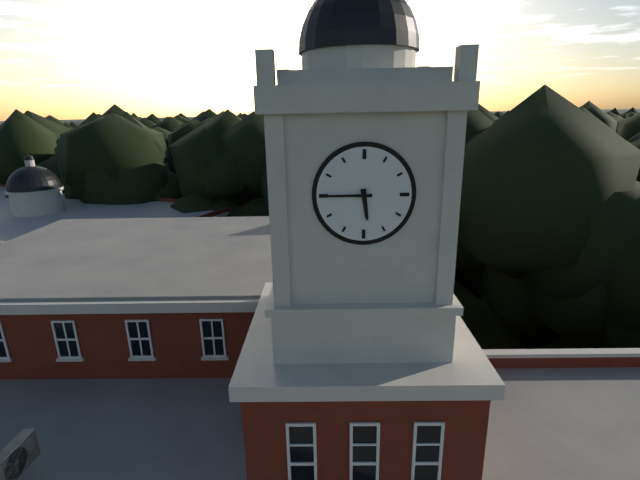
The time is 5:45
